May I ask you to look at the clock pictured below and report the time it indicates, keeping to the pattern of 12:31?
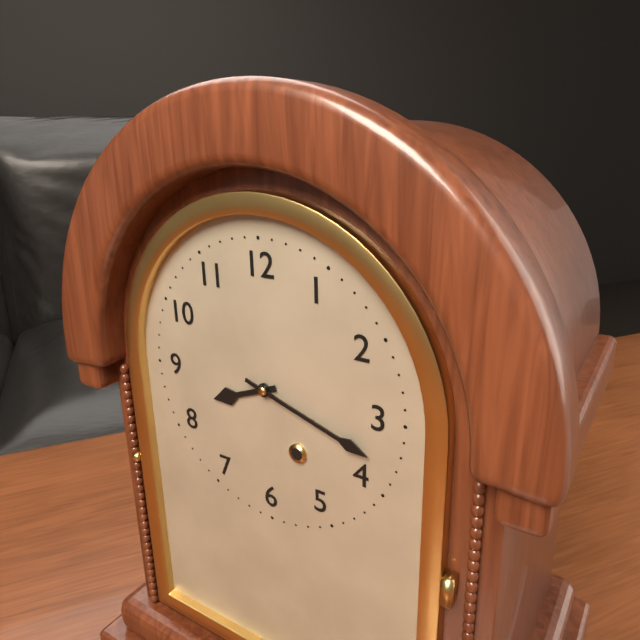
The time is 8:18
